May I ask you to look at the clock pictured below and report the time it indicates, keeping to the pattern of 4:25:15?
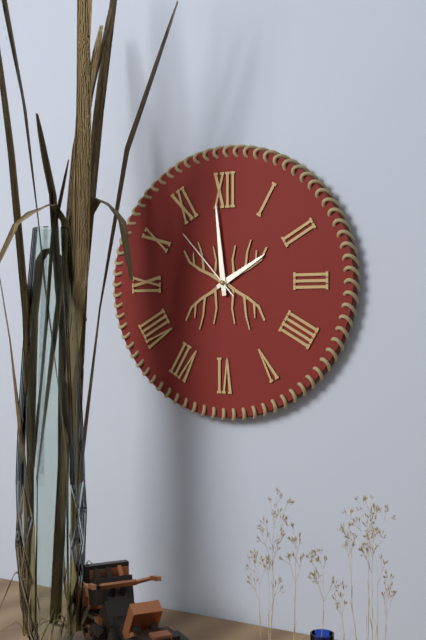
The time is 1:59:53
